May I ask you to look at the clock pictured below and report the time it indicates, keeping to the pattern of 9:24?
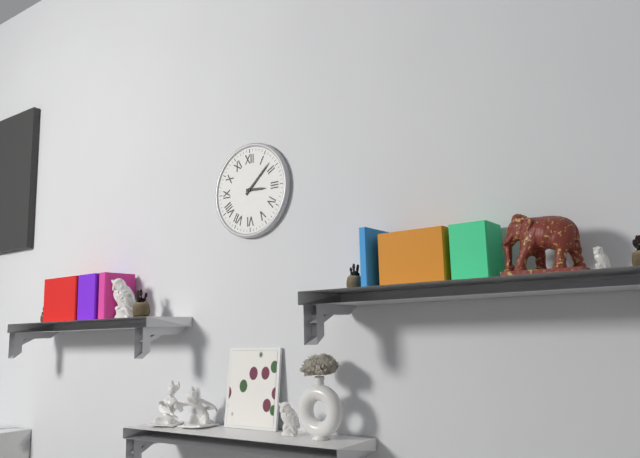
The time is 3:08
